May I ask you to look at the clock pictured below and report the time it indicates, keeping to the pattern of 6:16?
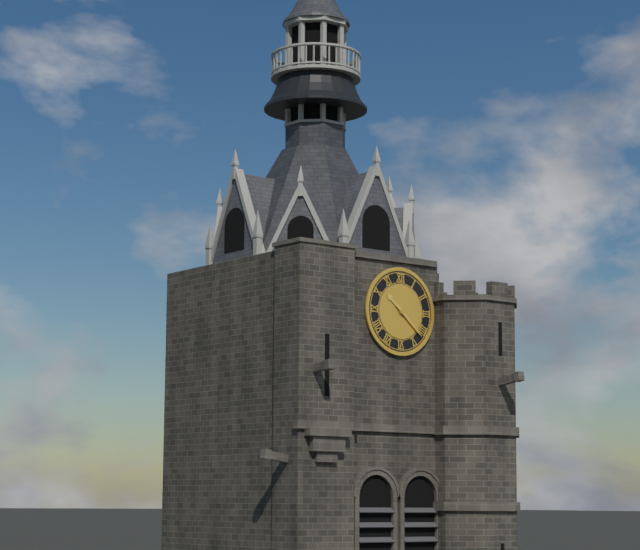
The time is 10:22
